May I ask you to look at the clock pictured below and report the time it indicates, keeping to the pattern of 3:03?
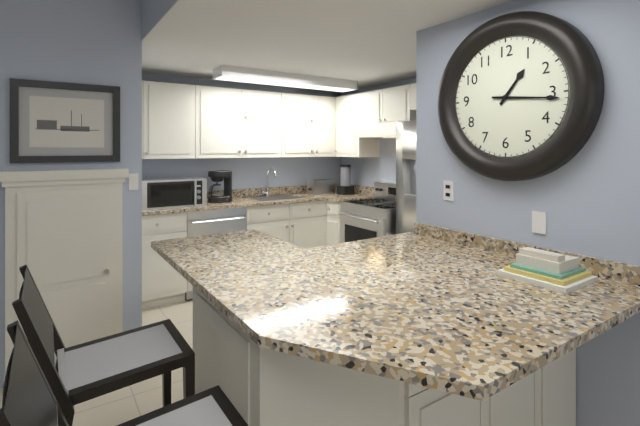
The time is 1:16
